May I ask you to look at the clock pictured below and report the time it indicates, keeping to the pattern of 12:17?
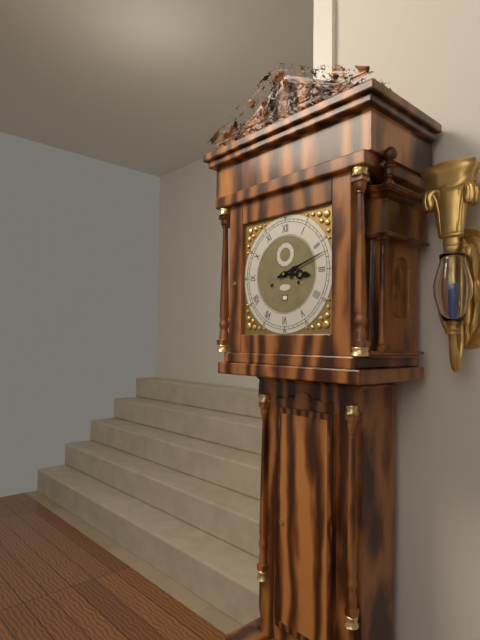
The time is 3:12
